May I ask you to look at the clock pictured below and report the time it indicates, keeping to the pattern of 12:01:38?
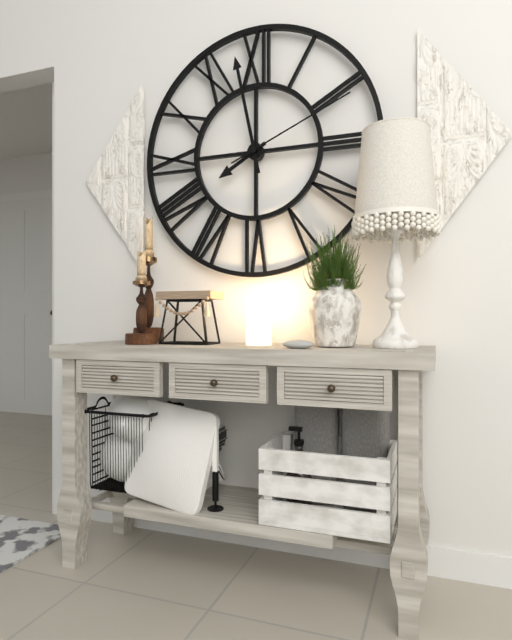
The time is 7:58:11
